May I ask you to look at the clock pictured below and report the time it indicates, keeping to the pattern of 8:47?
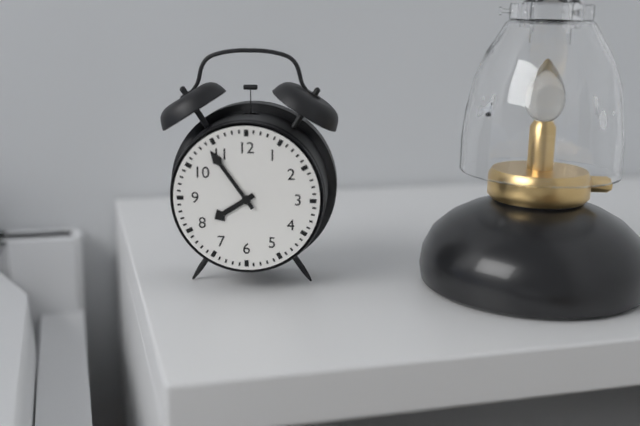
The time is 7:54
